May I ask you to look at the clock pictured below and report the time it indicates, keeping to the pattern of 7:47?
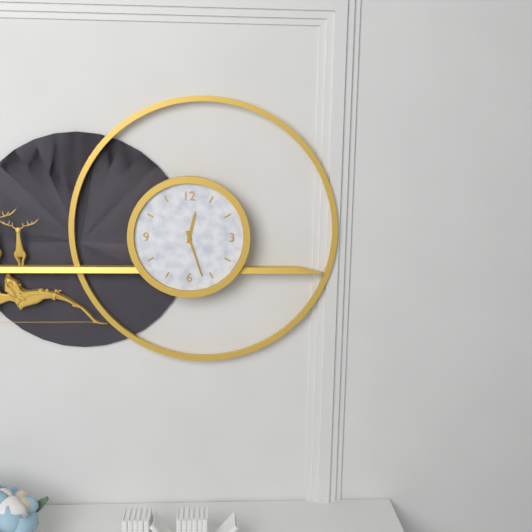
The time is 12:27
